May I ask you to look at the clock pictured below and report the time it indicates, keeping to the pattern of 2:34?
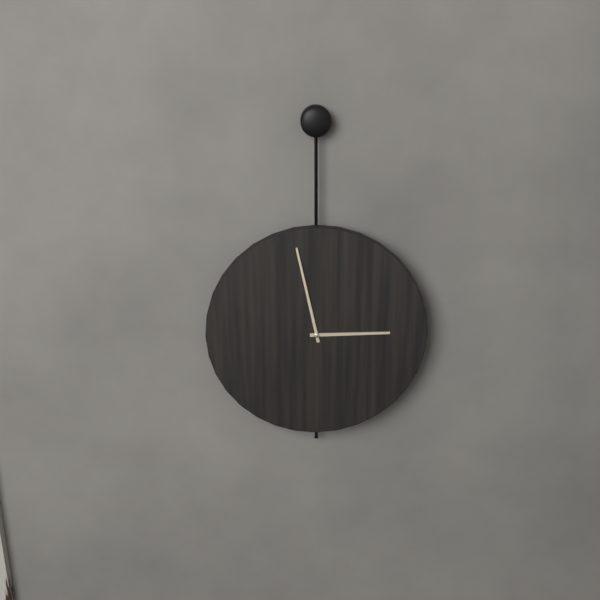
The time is 2:58
